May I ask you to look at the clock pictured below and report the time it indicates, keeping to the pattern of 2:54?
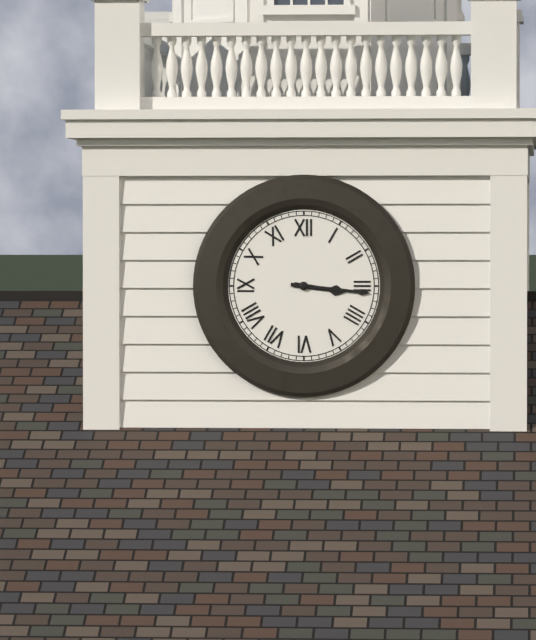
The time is 3:16
